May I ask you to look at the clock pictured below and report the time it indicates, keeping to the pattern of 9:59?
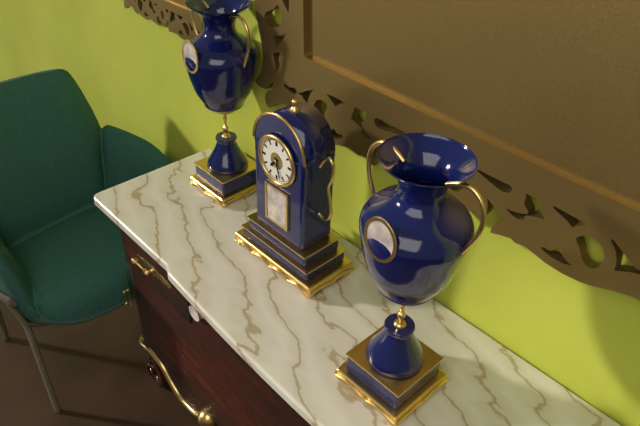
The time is 7:27
